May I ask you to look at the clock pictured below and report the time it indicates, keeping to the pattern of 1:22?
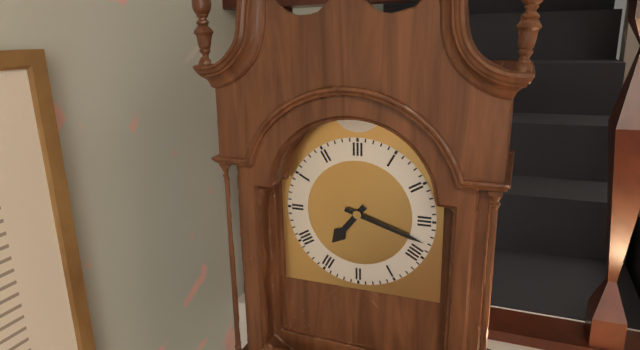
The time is 7:18
